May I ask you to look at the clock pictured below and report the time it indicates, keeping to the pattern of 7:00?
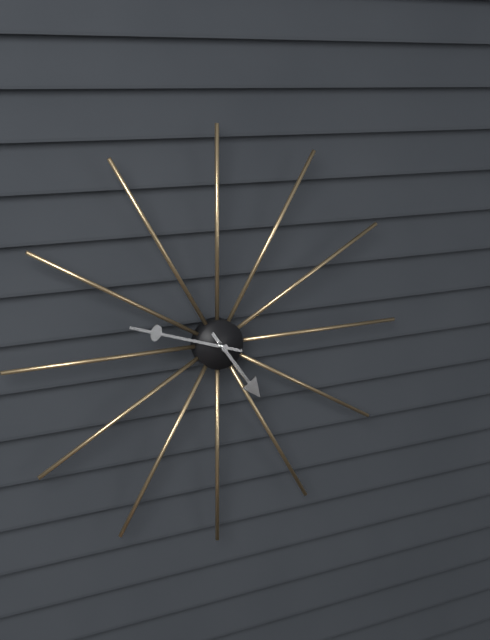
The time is 4:48
